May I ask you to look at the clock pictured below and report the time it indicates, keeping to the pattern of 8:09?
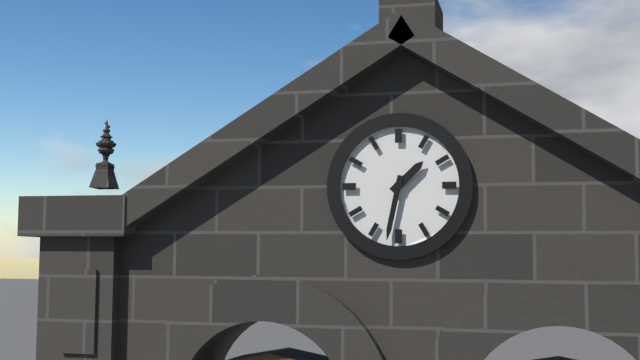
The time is 1:32
